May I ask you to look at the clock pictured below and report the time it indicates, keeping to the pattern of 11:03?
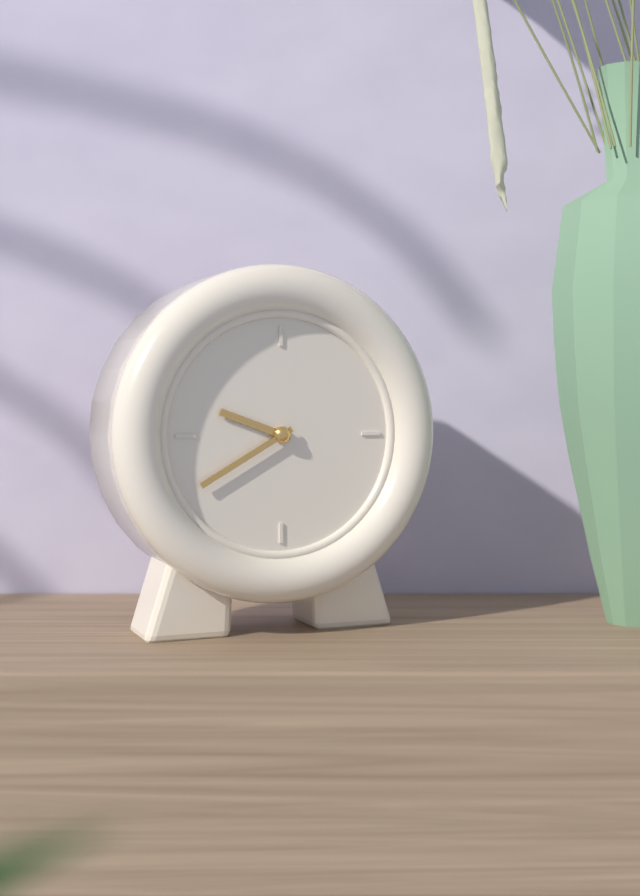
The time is 9:40
